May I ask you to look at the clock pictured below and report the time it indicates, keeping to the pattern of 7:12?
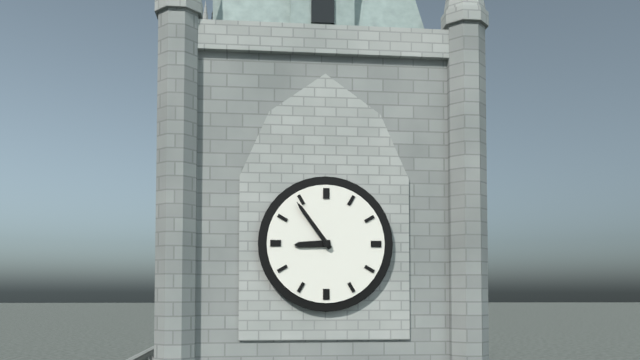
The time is 8:54
